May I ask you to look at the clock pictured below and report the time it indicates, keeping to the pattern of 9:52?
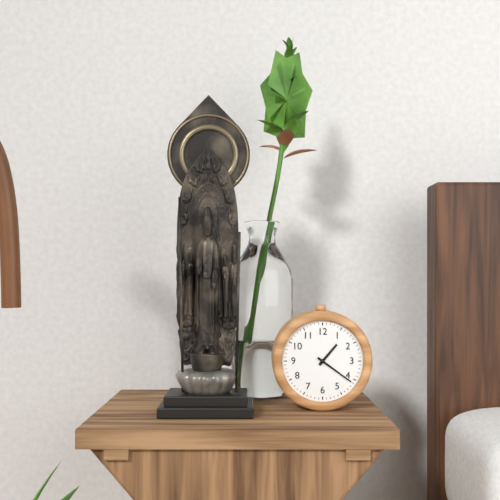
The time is 1:21
